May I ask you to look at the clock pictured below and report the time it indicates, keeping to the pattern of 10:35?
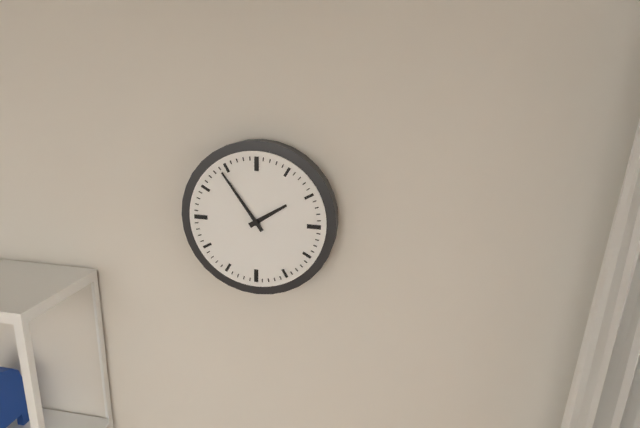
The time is 1:54
